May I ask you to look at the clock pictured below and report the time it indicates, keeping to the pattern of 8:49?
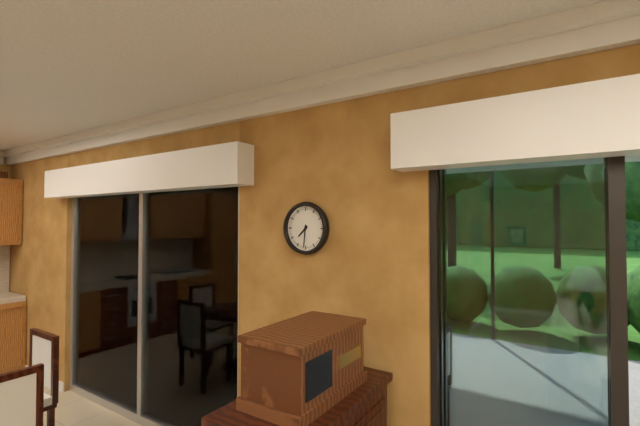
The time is 7:31
